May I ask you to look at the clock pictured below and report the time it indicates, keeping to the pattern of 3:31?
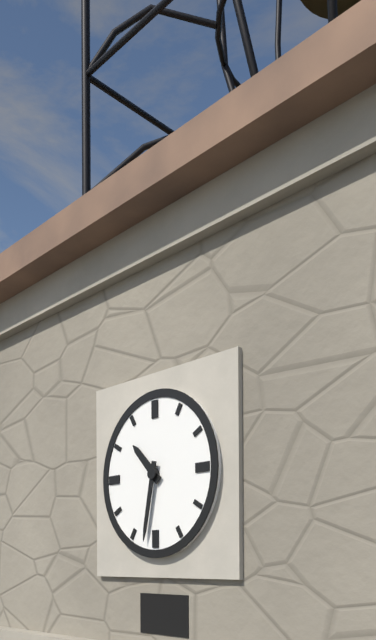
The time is 10:32
